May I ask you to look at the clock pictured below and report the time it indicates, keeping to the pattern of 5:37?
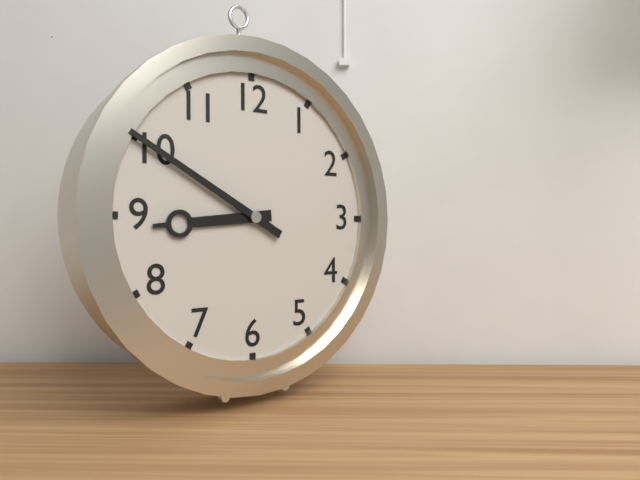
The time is 8:50
